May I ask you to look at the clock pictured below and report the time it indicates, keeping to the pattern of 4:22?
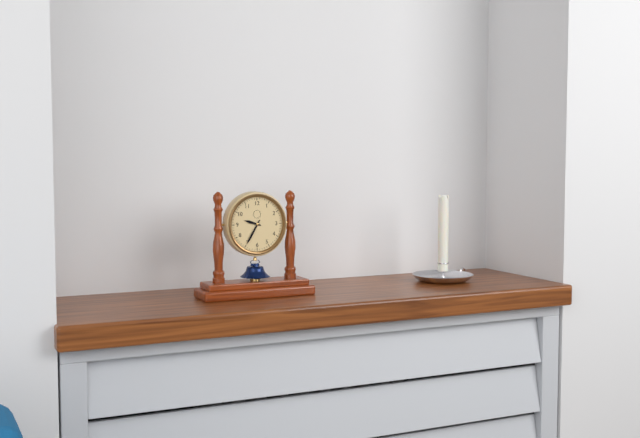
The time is 9:35
